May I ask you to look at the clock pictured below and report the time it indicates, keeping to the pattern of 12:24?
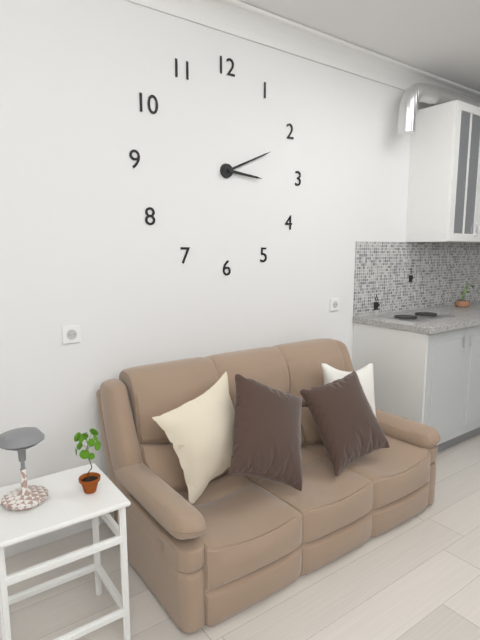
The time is 3:11
